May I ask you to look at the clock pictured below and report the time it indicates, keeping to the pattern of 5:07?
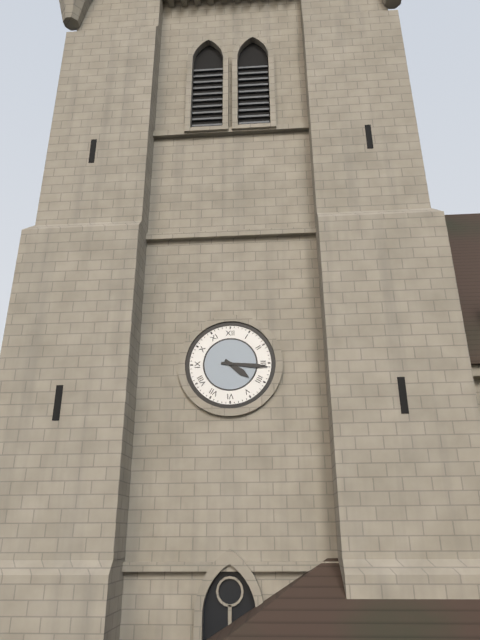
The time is 4:16
